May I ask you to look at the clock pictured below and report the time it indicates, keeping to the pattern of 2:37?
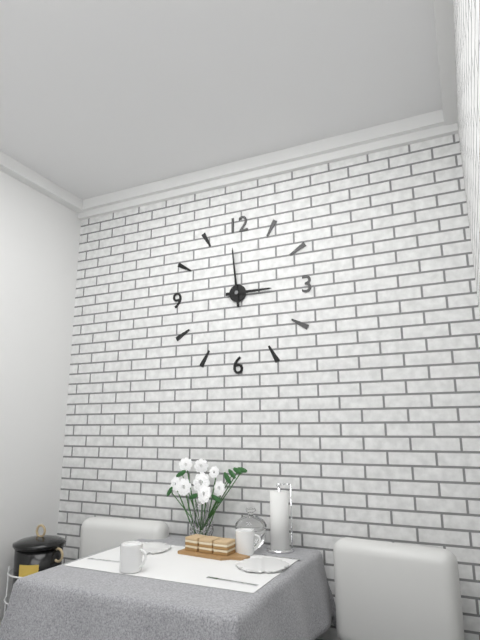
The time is 2:59
